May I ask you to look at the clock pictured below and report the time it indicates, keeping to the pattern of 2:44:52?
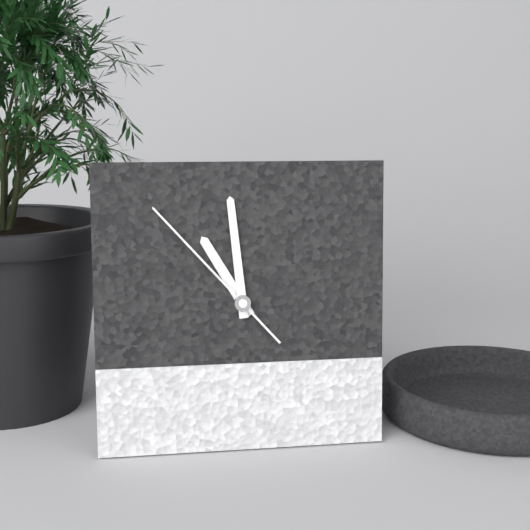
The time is 10:59:53
